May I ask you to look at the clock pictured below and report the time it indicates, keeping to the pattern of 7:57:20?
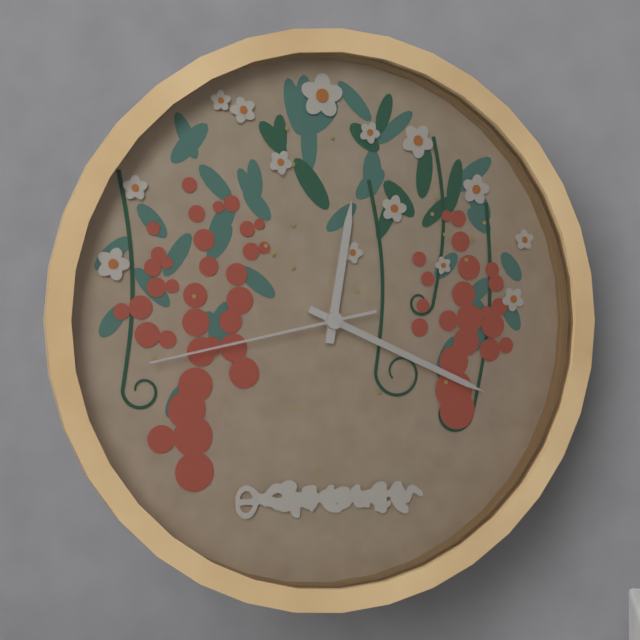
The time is 12:19:43
